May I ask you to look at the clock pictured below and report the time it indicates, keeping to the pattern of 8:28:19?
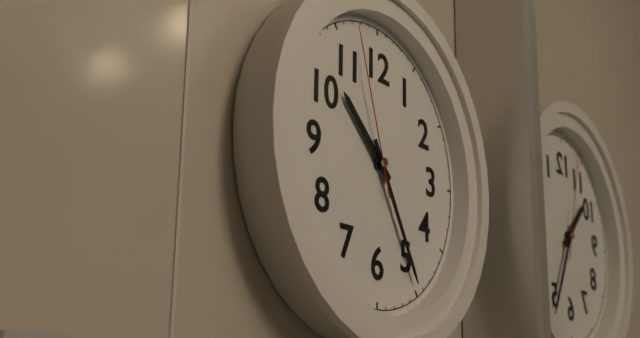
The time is 10:25:57
